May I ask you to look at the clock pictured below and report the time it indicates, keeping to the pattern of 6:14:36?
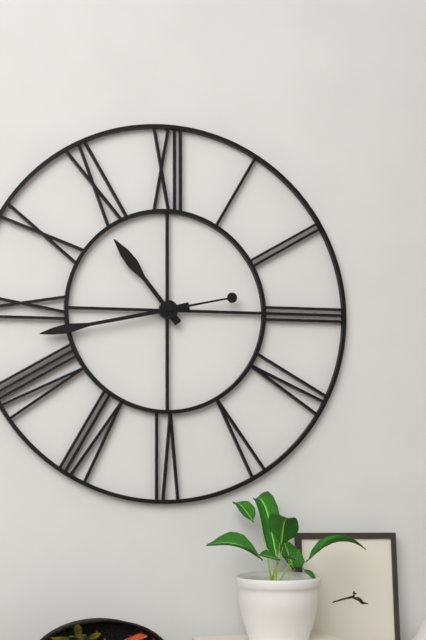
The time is 10:43:13
